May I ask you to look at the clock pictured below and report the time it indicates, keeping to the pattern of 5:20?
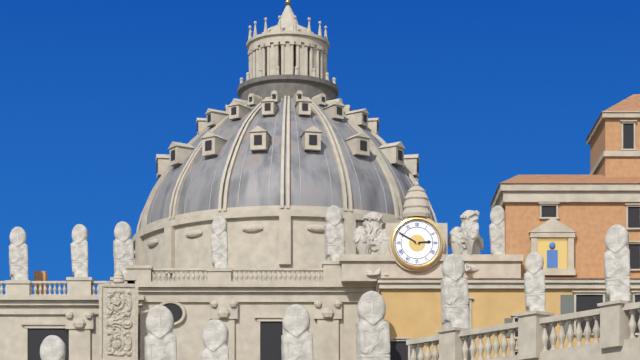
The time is 2:50
